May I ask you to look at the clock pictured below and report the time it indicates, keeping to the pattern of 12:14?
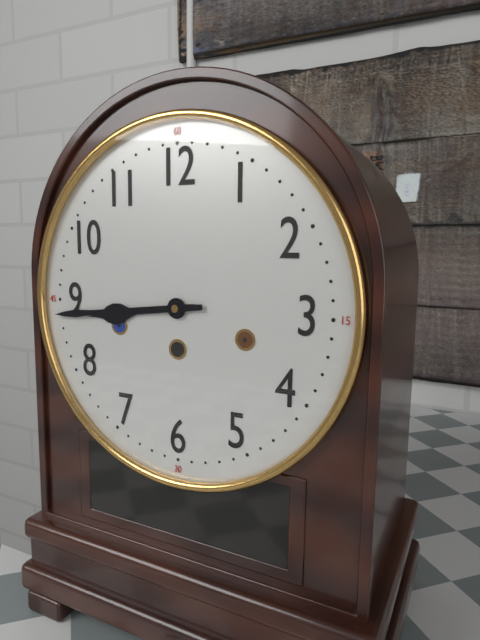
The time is 8:44
